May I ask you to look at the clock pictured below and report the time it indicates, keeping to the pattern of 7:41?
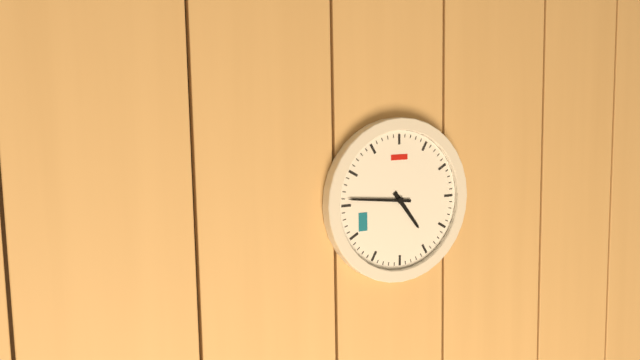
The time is 4:46
